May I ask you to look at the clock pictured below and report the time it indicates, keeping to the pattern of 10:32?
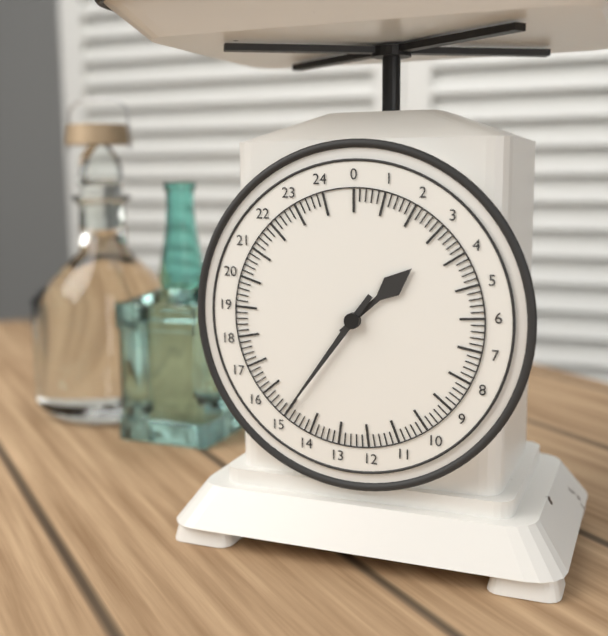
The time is 1:36
